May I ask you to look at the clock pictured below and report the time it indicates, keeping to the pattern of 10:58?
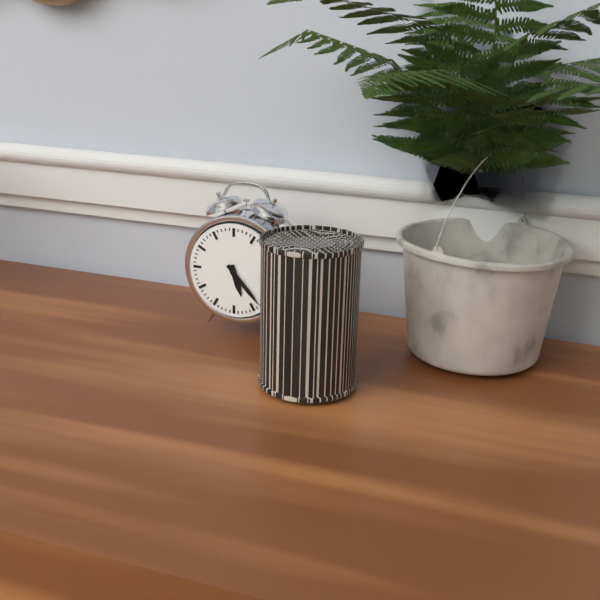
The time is 5:23
